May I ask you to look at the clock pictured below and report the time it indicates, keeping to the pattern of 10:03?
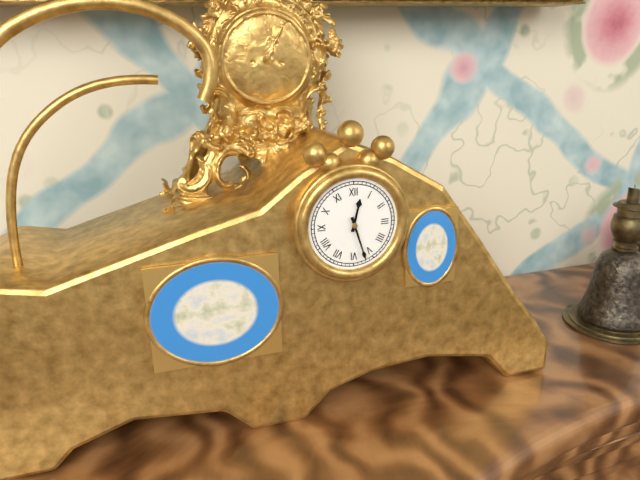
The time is 12:27
